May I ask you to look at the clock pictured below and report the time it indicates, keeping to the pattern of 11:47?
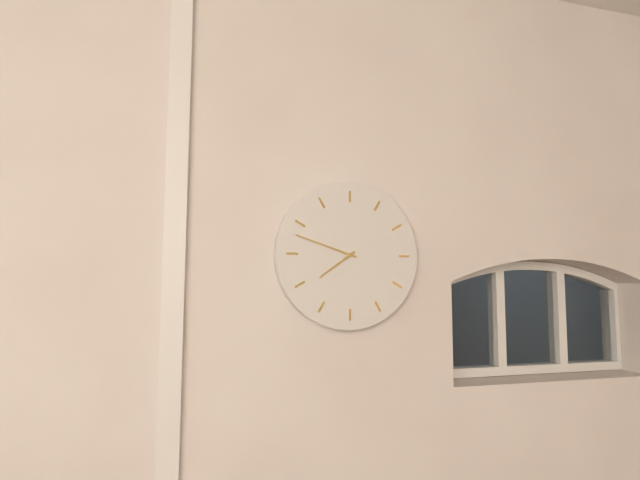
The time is 7:48
